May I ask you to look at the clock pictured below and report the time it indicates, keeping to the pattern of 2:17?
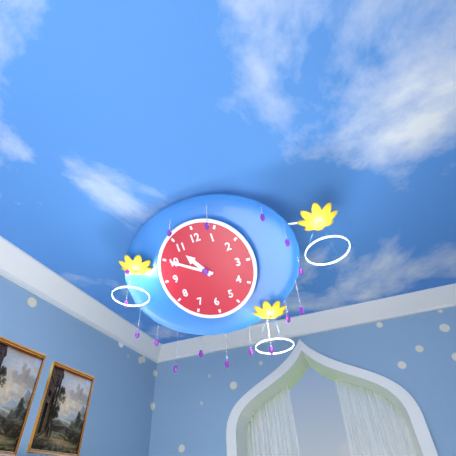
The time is 10:50
